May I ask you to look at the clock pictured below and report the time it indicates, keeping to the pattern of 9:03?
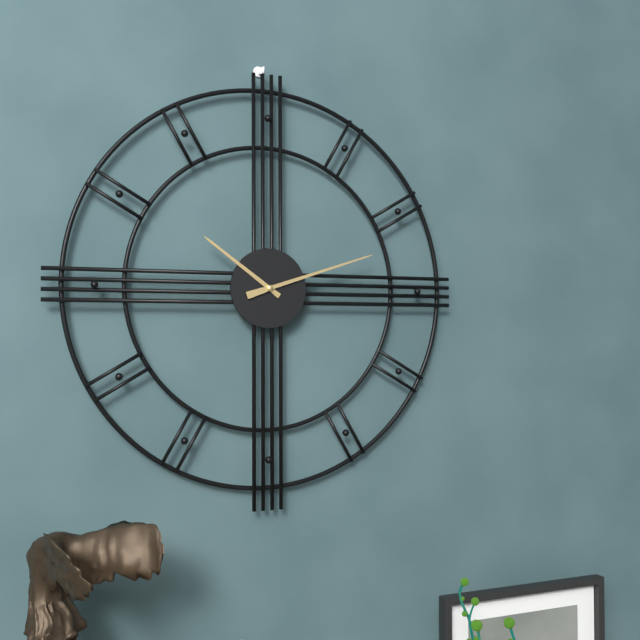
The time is 10:12
